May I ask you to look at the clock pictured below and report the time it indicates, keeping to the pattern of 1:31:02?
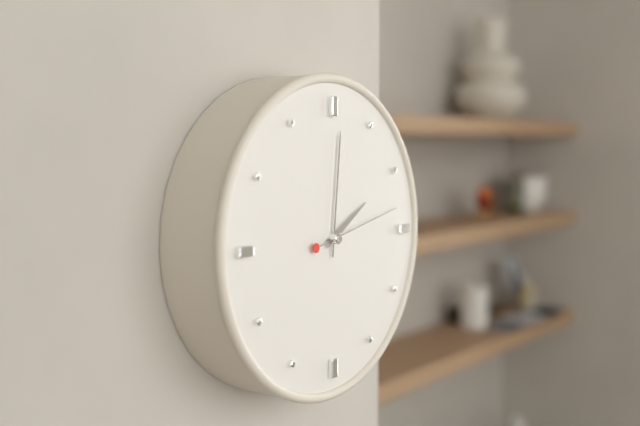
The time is 2:01:13
